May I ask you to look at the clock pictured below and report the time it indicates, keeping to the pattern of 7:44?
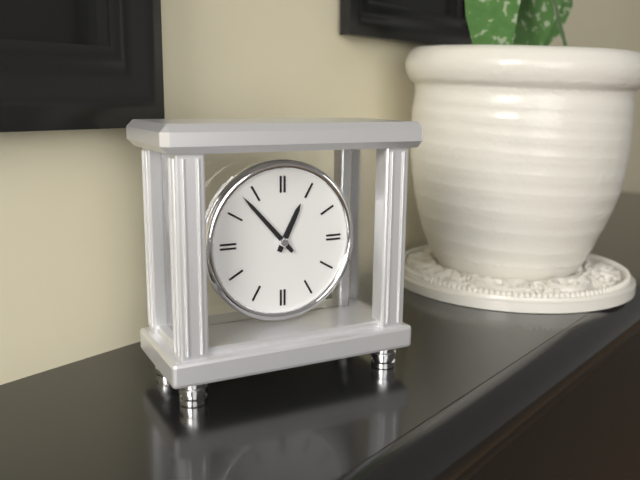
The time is 12:53
